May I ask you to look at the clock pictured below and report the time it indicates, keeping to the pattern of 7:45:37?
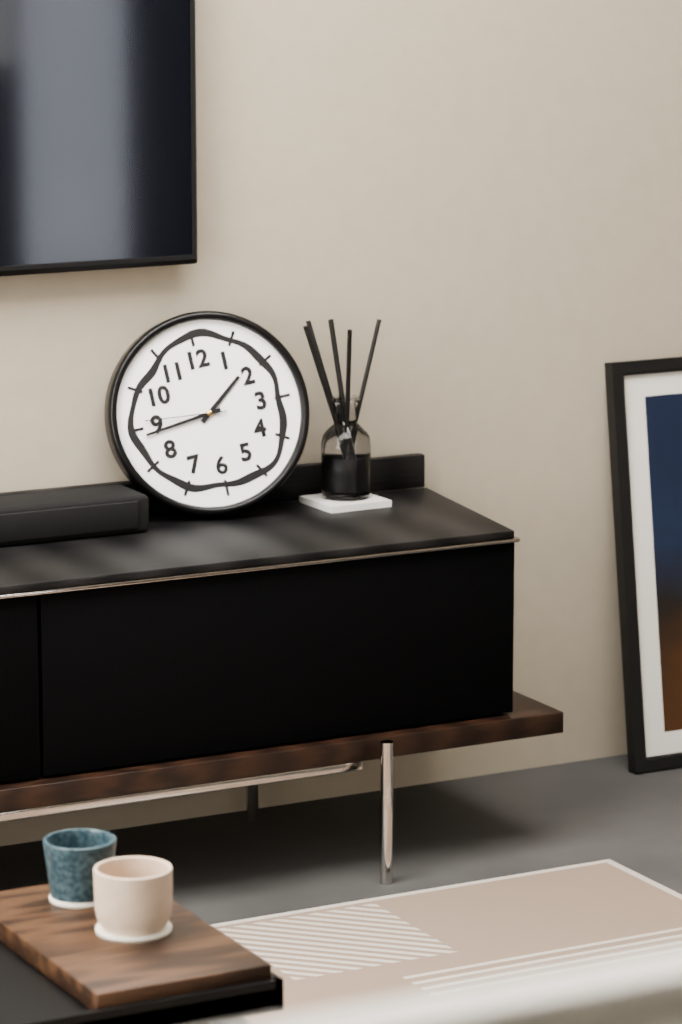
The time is 1:44:46
